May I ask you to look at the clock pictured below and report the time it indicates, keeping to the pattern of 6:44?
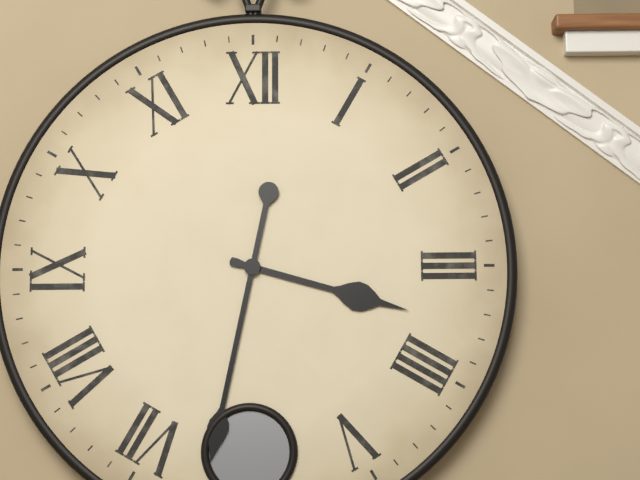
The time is 3:32
